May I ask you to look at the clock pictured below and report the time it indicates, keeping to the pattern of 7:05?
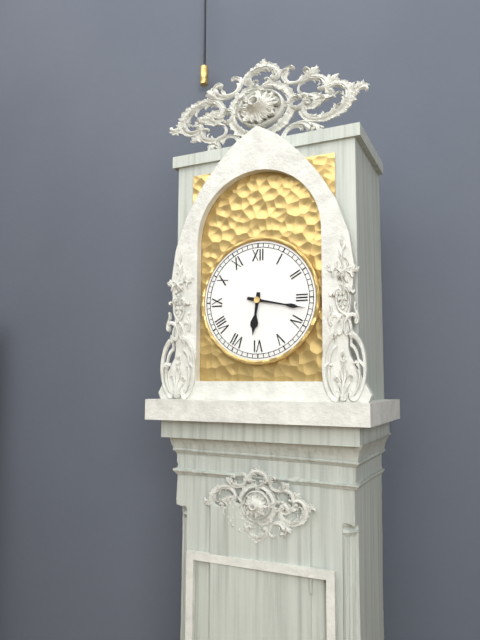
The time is 6:17
